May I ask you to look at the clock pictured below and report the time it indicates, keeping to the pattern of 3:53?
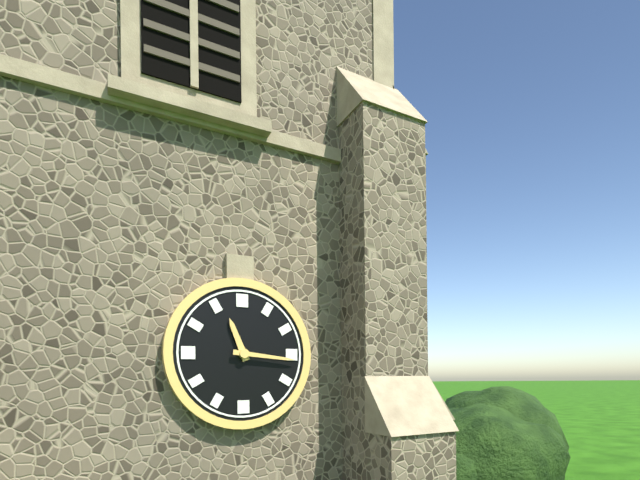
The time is 11:16
